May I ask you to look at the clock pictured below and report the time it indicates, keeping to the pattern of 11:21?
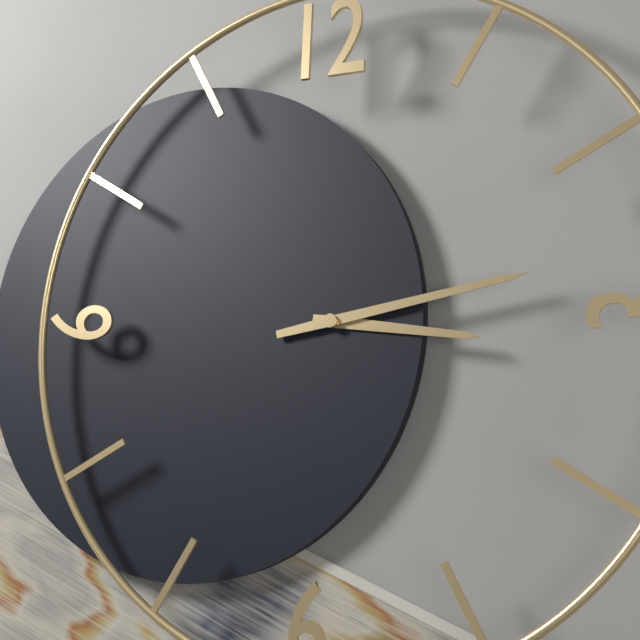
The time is 3:13
